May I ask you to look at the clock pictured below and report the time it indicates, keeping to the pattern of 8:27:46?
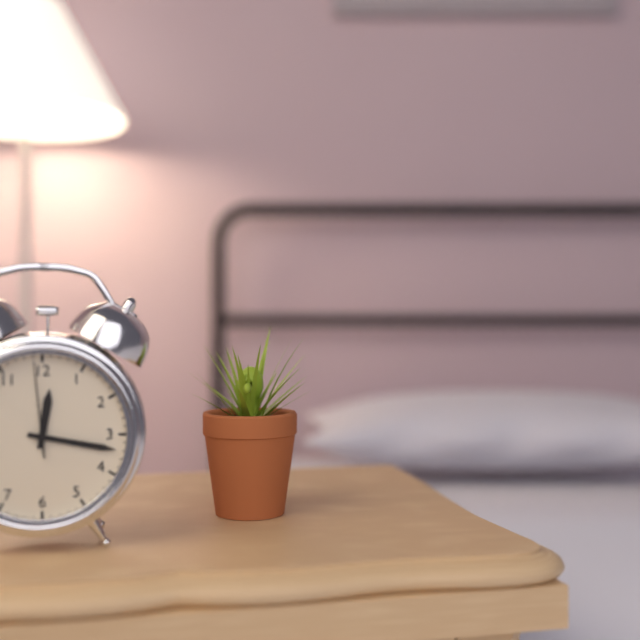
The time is 12:17:59
